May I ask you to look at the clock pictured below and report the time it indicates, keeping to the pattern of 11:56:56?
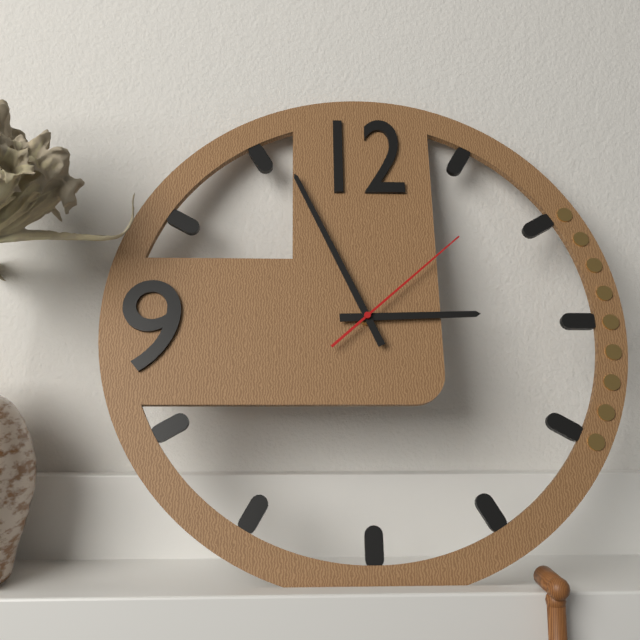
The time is 2:56:08
